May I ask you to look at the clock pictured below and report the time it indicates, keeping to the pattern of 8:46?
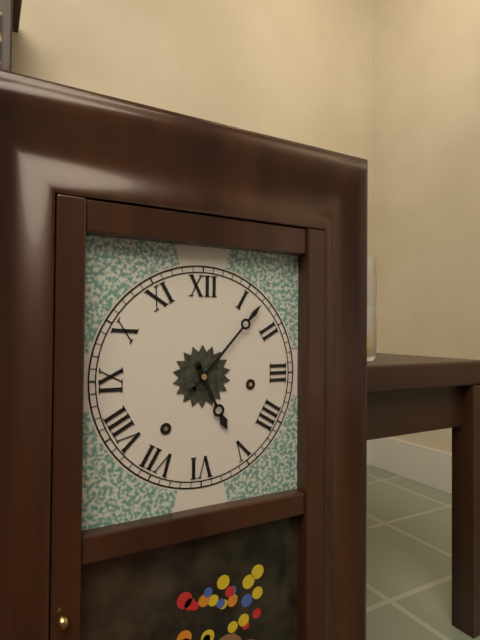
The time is 5:07
